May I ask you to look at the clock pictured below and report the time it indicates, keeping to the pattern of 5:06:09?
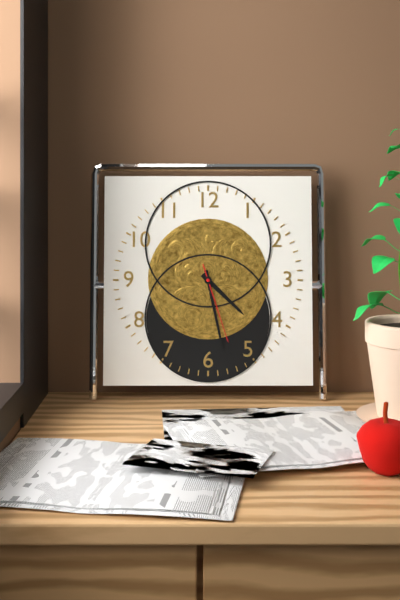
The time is 4:28:27
